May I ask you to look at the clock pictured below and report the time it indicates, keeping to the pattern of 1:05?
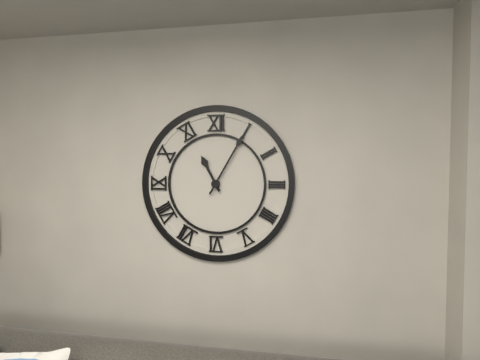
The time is 11:05
